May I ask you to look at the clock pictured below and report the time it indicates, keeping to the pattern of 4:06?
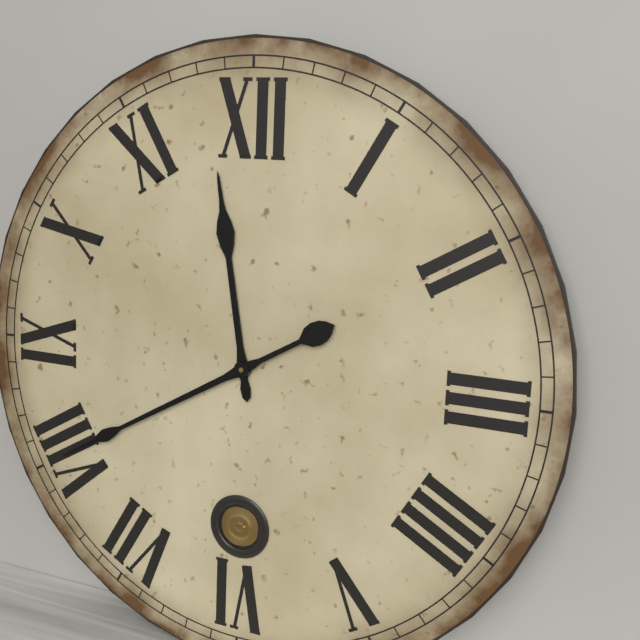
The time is 11:40
